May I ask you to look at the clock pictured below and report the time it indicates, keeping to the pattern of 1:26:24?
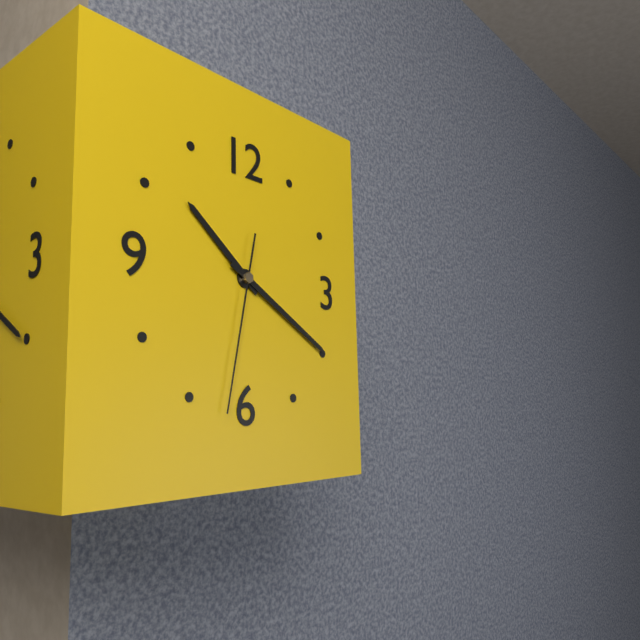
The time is 10:20:32
